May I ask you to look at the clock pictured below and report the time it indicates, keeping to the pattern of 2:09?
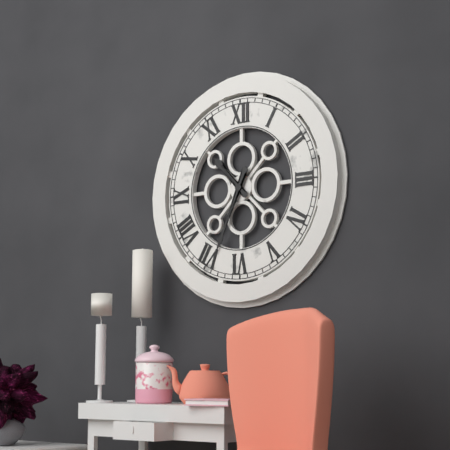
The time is 10:34
